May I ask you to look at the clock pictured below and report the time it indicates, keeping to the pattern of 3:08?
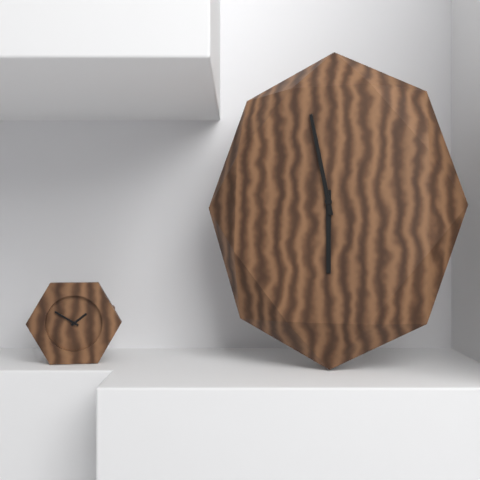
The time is 5:58
